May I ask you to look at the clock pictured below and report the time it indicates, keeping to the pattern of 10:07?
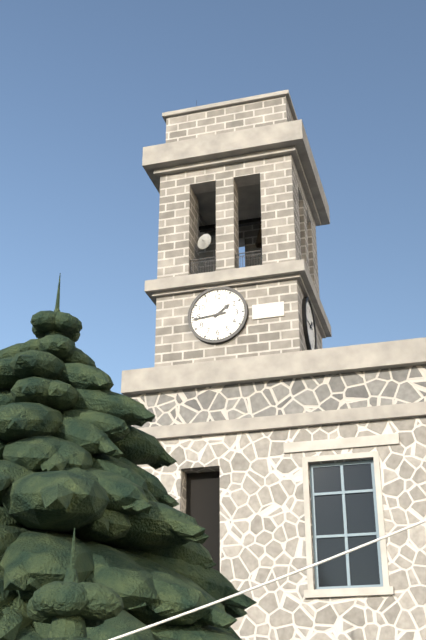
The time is 1:44
